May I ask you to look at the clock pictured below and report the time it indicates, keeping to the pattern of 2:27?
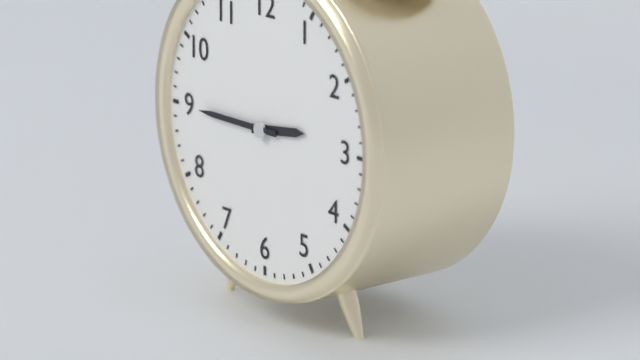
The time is 2:45
